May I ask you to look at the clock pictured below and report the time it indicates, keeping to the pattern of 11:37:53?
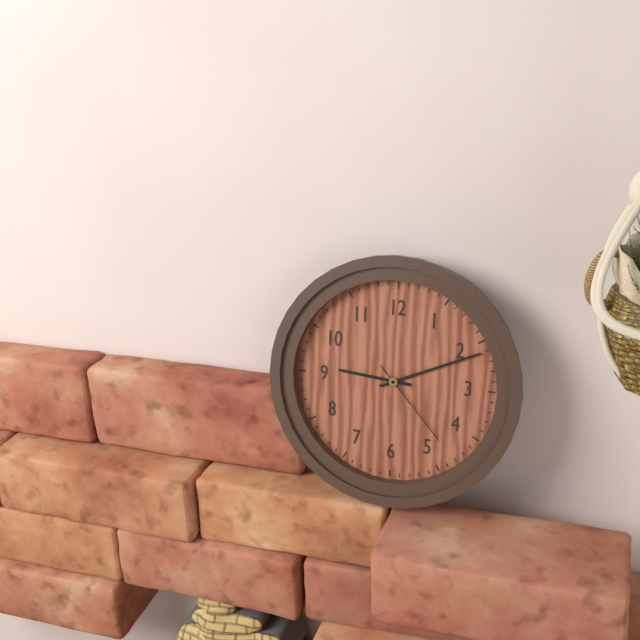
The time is 9:11:23
